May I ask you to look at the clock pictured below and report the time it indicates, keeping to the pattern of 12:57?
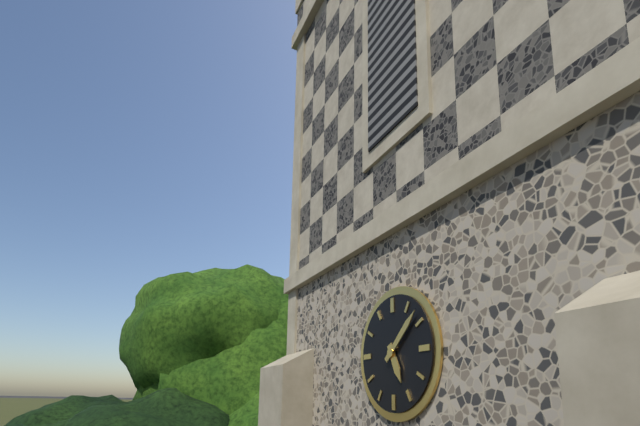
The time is 5:08
